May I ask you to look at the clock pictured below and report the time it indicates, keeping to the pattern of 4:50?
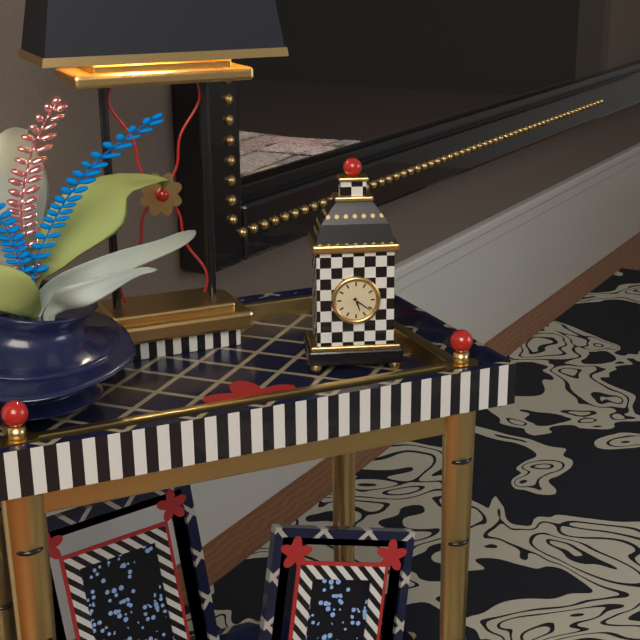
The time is 5:21
